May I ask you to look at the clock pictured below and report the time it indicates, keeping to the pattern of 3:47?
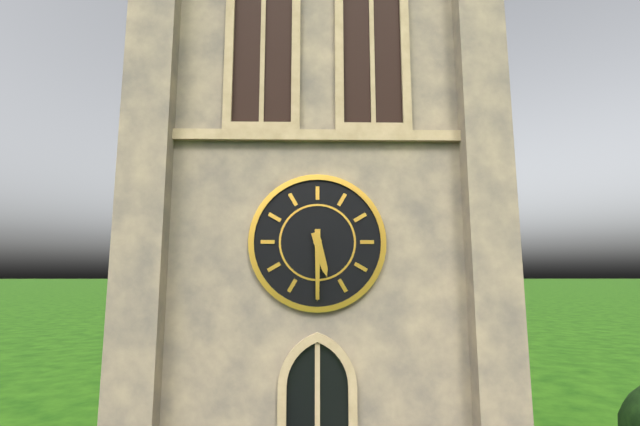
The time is 5:30
